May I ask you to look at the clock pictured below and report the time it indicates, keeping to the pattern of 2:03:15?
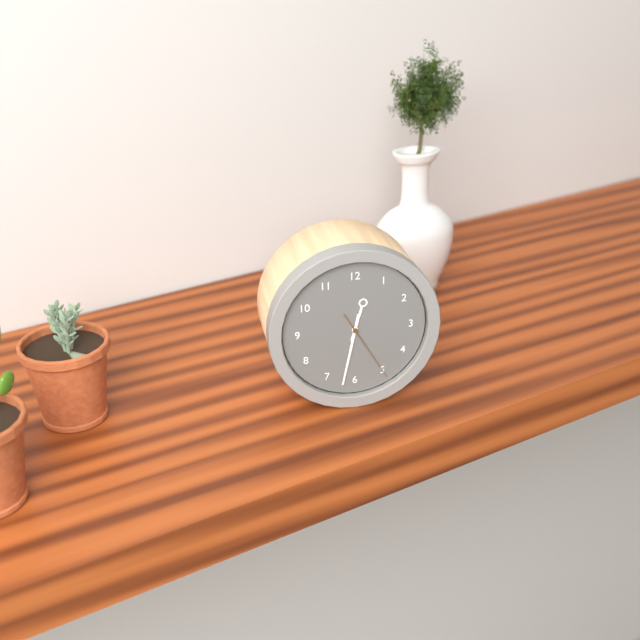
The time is 12:32:25
